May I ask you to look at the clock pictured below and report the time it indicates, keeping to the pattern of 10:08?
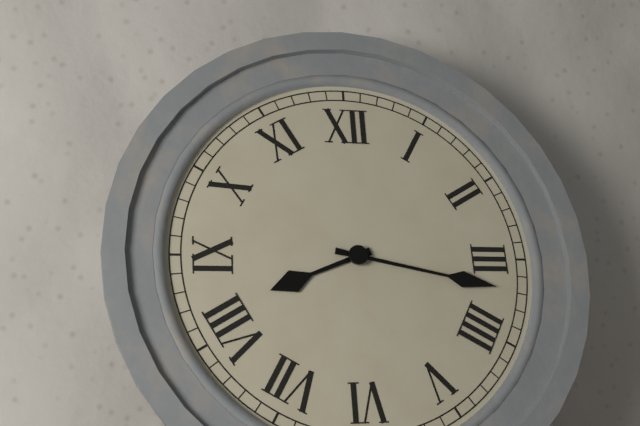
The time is 8:17
